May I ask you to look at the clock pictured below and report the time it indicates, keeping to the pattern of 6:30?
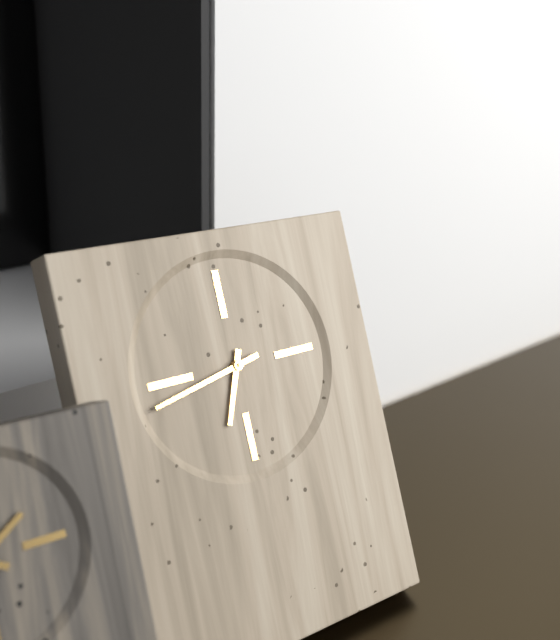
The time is 6:43
